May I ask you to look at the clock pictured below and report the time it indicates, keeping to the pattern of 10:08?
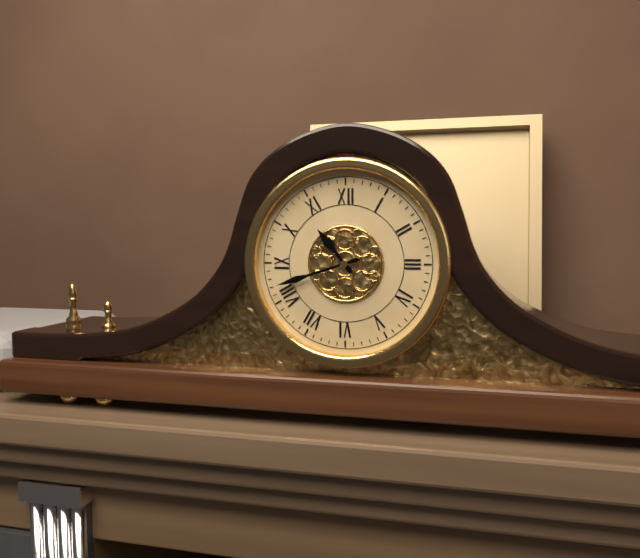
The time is 10:42
